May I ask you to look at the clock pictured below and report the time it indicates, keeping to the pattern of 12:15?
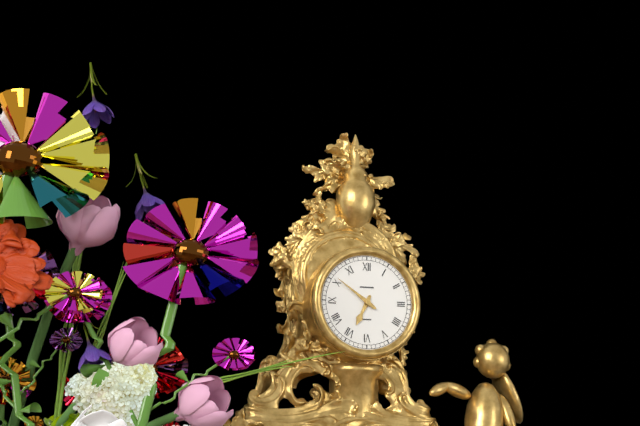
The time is 6:51
